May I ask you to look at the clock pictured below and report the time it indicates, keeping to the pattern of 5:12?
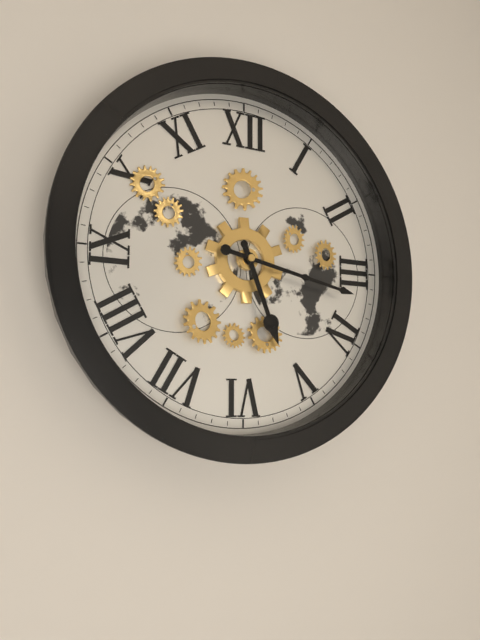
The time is 5:17
